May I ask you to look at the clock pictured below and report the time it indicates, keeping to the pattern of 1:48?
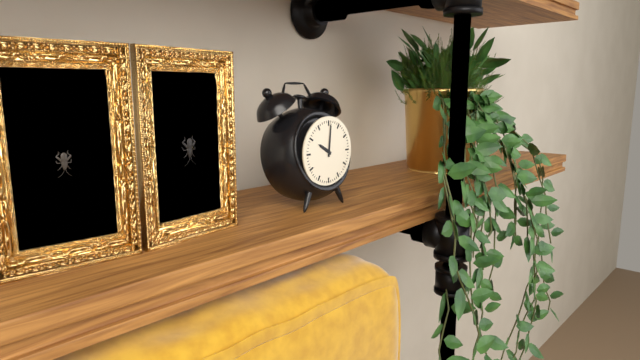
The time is 10:01
